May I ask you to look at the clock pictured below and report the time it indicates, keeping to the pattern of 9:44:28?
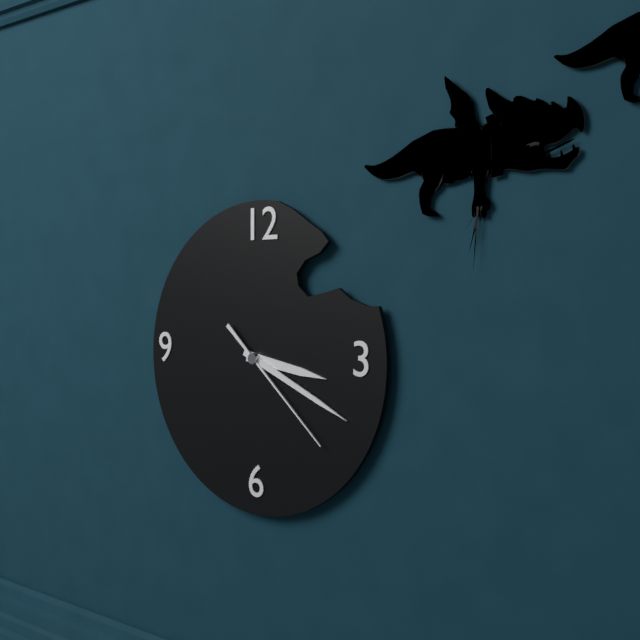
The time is 3:19:22
